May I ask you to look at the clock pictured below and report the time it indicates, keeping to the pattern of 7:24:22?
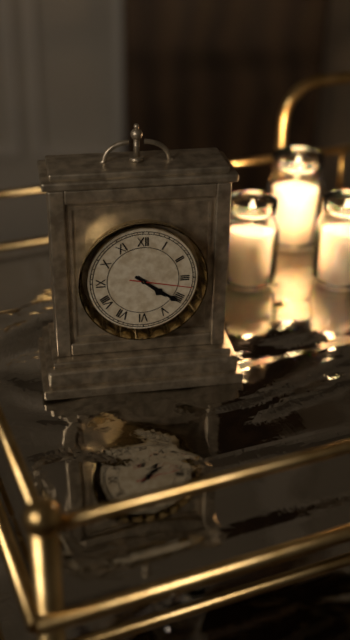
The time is 4:21:17
